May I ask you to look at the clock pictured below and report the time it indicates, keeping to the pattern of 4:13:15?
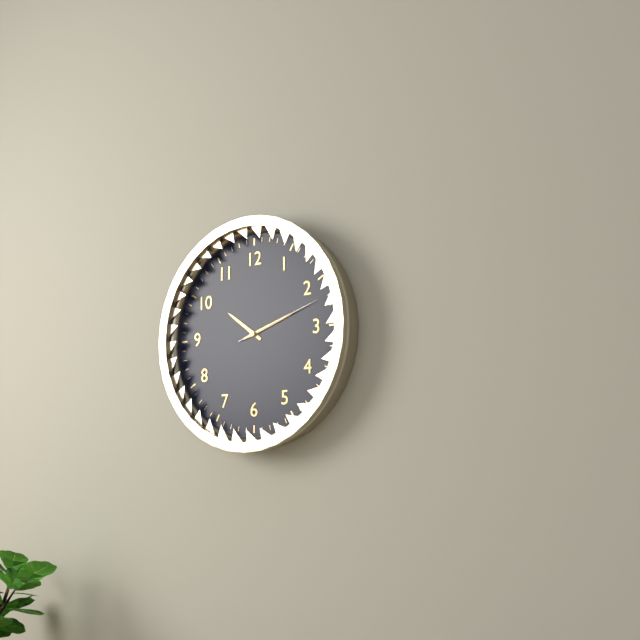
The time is 10:12:12
